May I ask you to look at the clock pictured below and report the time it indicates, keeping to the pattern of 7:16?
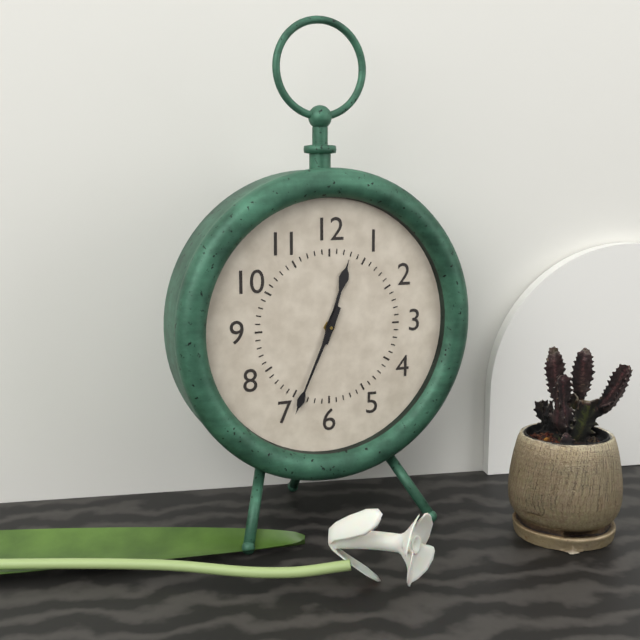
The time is 12:34
